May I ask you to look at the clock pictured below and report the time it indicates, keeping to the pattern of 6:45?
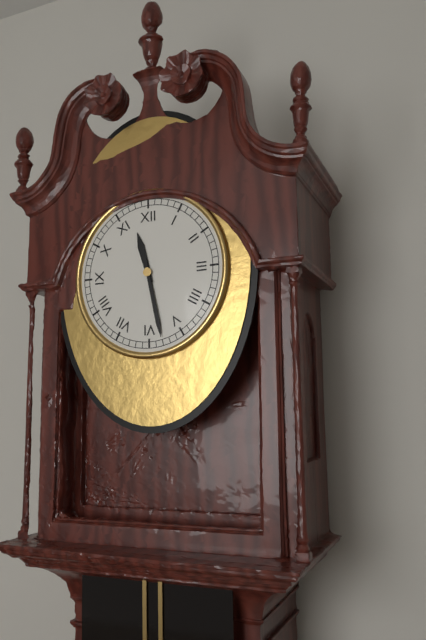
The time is 11:28
